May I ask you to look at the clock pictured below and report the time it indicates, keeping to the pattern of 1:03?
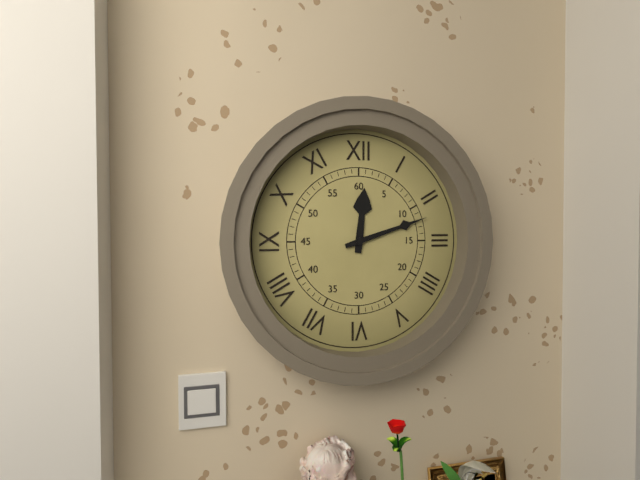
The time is 12:12
